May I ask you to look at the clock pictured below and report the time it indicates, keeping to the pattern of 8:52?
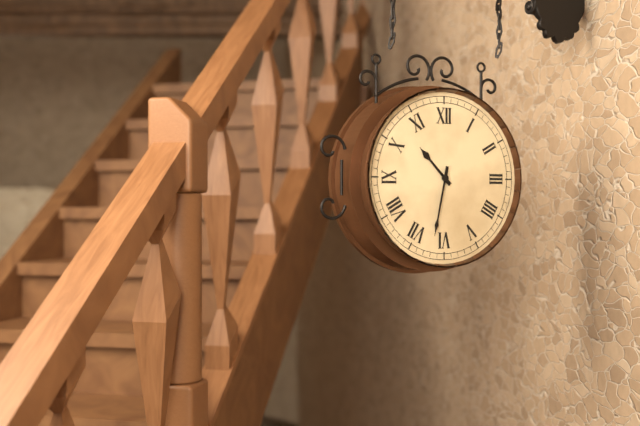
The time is 10:32
